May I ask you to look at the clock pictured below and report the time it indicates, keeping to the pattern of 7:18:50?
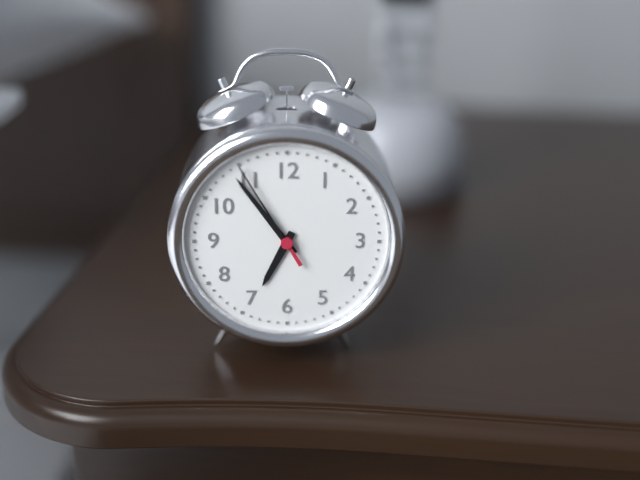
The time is 6:54:55
